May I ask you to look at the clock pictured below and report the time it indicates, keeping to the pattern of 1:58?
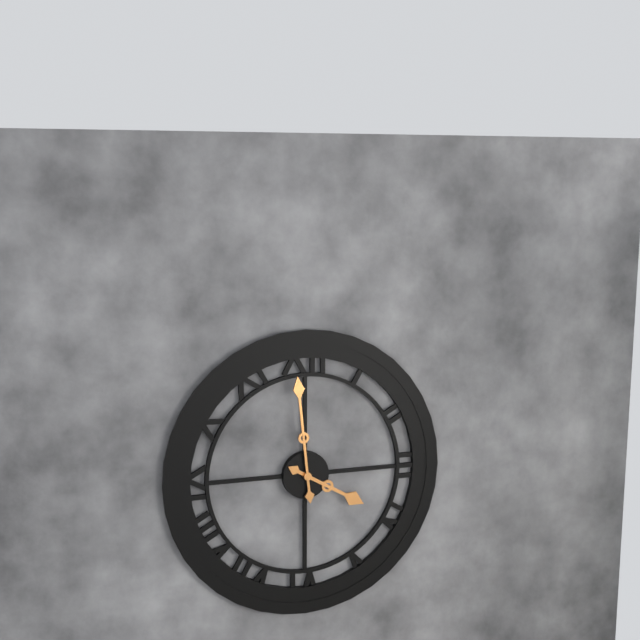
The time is 3:59
